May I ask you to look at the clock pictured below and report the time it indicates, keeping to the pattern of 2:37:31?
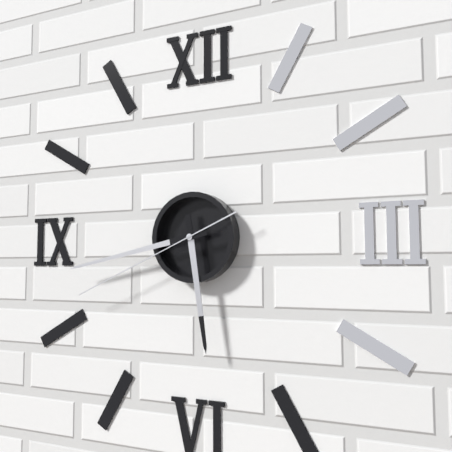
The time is 5:43:41
